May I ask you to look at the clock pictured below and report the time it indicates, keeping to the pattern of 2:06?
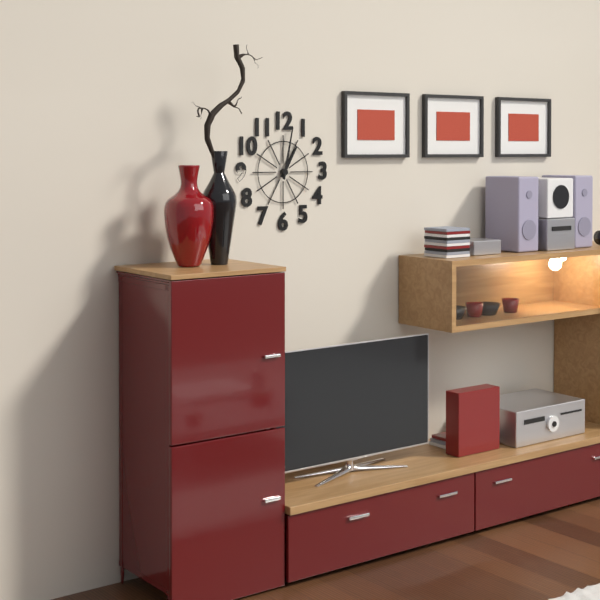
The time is 1:02
